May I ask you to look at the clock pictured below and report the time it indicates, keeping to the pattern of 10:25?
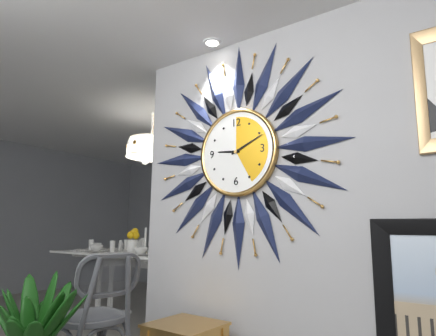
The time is 9:11
